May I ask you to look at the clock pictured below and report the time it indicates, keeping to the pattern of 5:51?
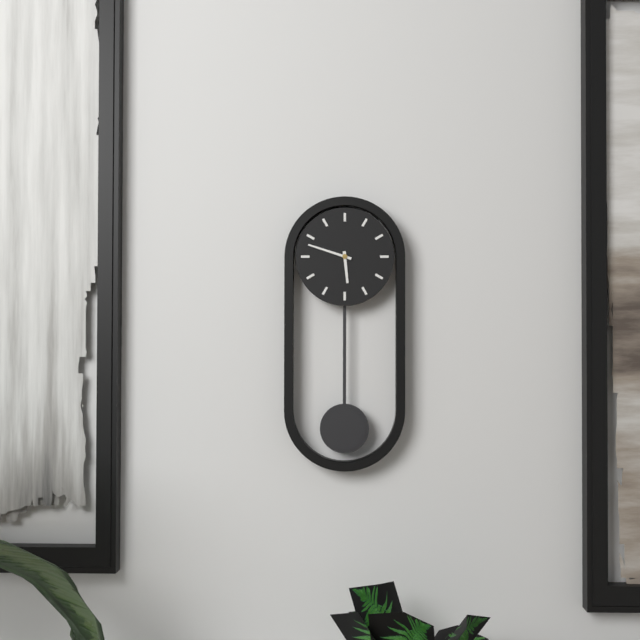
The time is 5:48
